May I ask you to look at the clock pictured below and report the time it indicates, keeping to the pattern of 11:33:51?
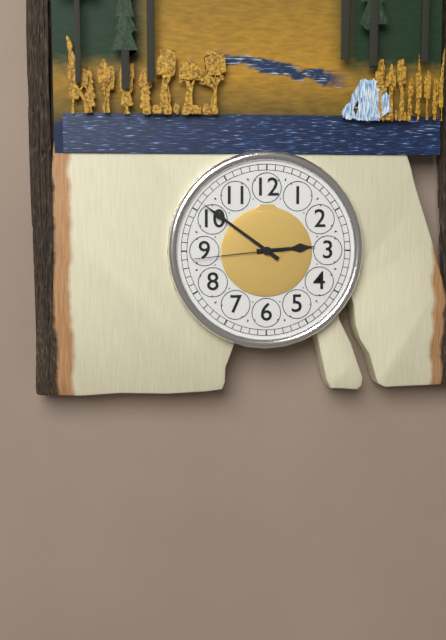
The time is 2:51:44
